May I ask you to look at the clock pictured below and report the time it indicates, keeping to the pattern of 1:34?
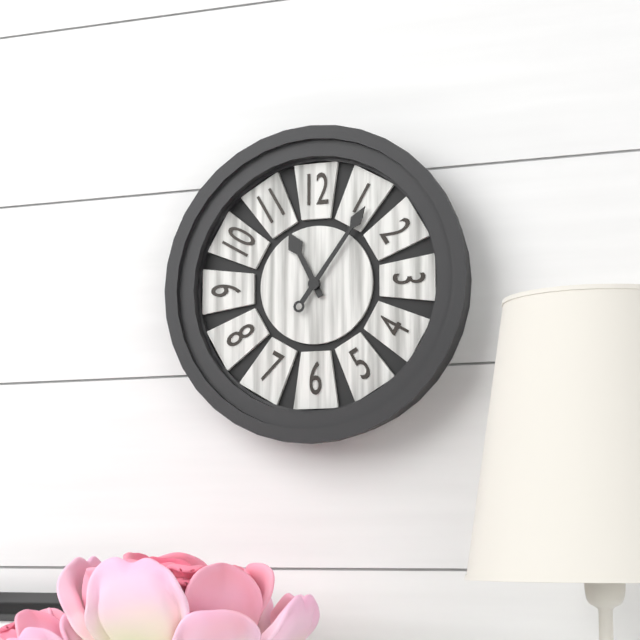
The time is 11:06
